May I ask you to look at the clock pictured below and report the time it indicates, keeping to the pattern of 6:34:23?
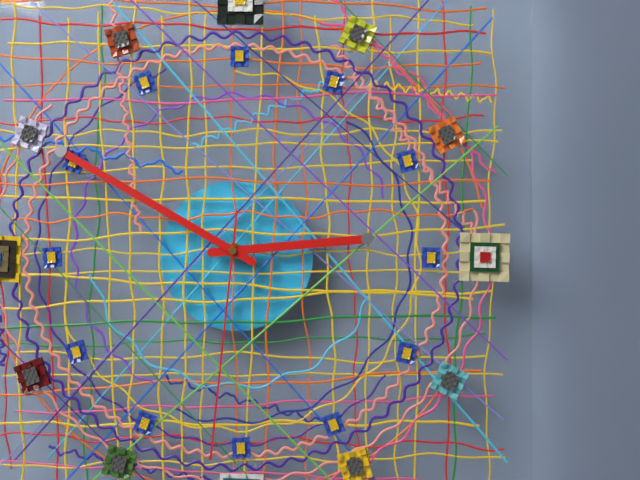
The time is 2:50:31
